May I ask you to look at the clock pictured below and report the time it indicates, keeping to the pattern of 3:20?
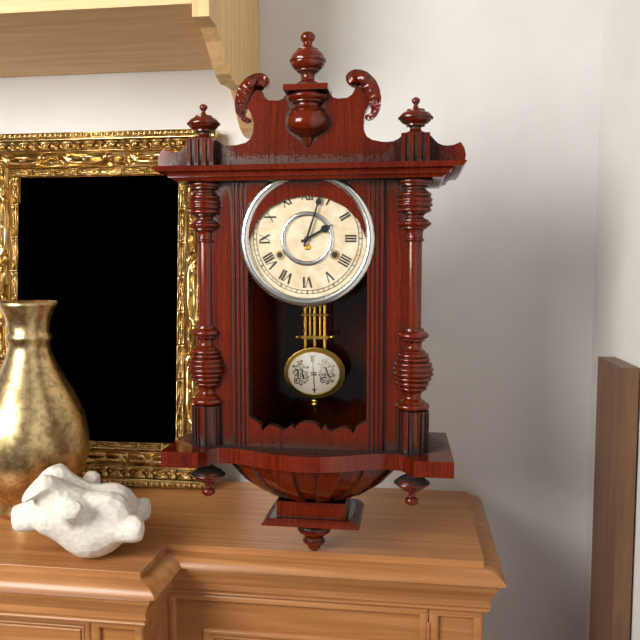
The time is 2:03
